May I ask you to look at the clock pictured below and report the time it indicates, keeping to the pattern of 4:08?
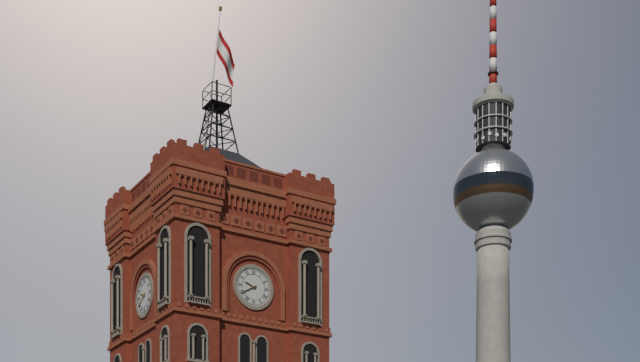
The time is 9:40
